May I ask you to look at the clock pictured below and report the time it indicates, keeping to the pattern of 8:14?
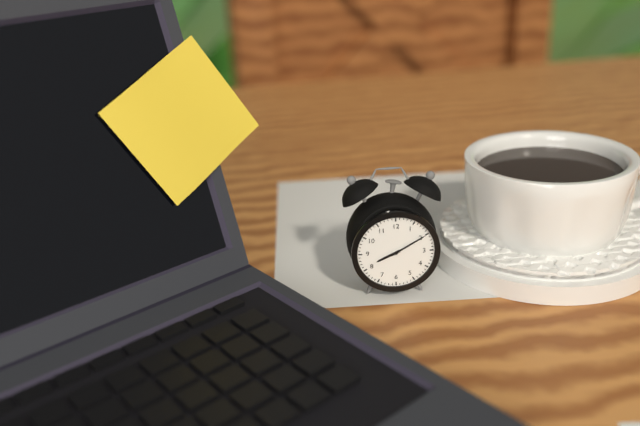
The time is 8:10
